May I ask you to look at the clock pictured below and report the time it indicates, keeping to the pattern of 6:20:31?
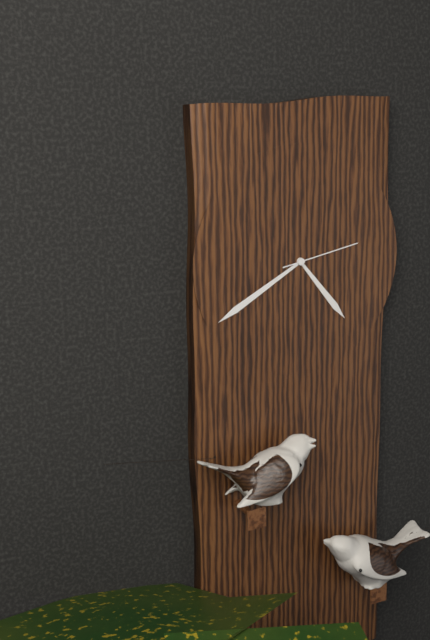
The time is 4:40:13
